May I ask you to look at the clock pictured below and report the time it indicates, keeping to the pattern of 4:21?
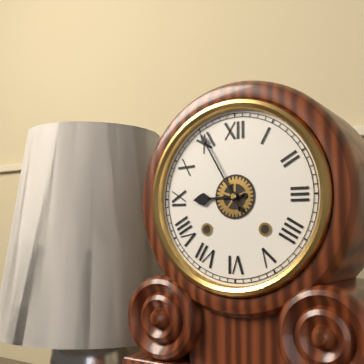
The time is 8:55
